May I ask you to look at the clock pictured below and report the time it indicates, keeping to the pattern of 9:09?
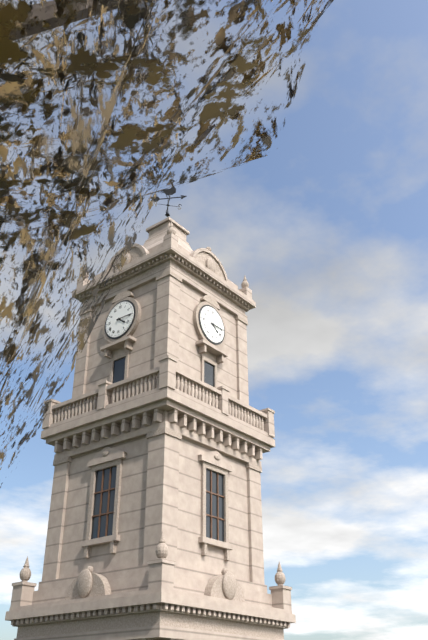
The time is 4:15
